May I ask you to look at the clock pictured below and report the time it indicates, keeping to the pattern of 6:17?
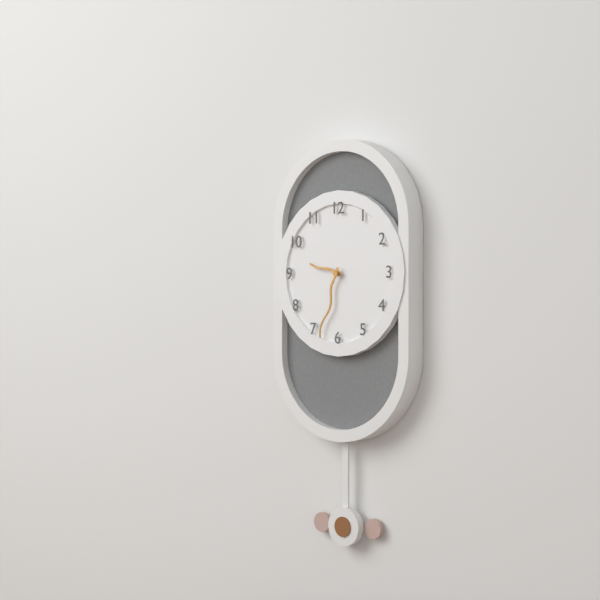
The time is 9:33
